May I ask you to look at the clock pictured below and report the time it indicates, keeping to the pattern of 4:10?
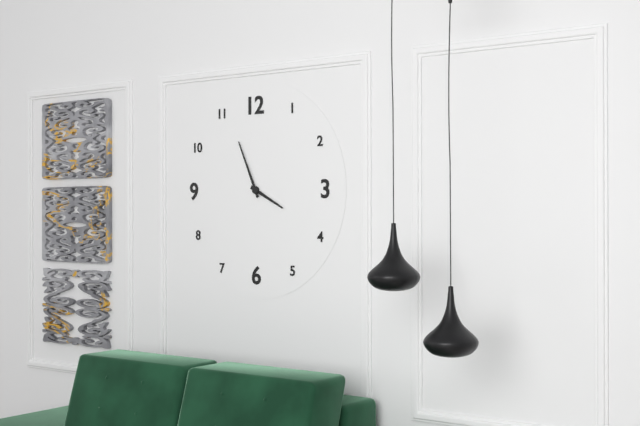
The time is 3:56
